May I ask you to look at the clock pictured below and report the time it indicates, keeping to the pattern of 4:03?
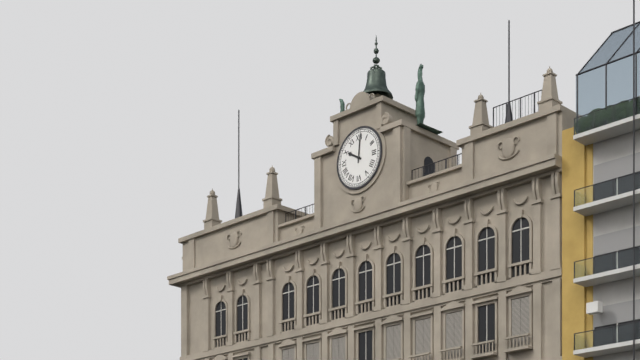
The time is 10:01
